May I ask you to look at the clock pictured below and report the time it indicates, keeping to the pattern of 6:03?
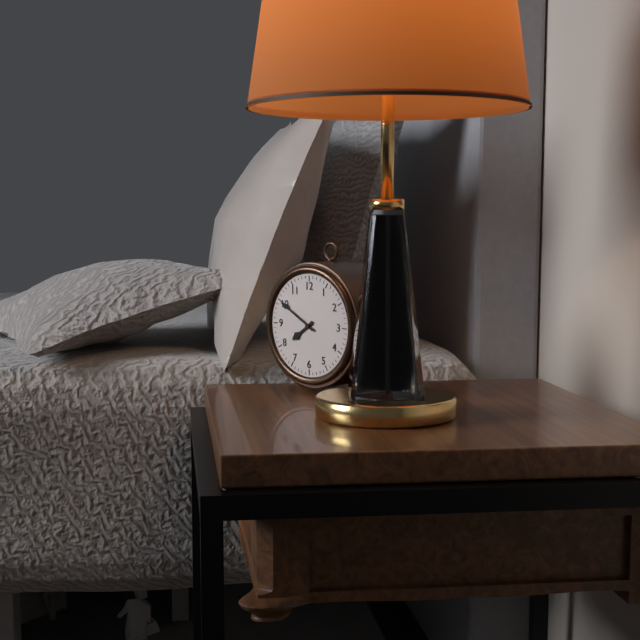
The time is 7:50
